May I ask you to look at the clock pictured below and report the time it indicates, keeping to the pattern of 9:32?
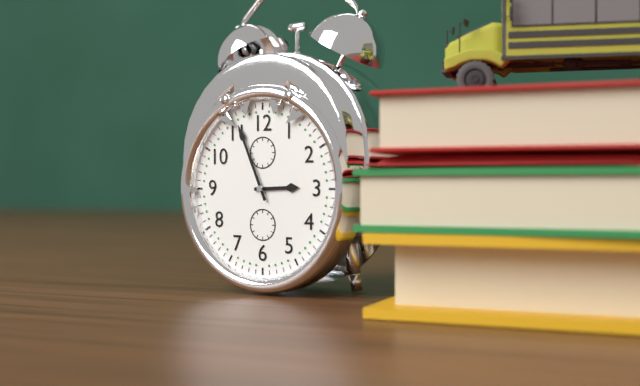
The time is 2:56
